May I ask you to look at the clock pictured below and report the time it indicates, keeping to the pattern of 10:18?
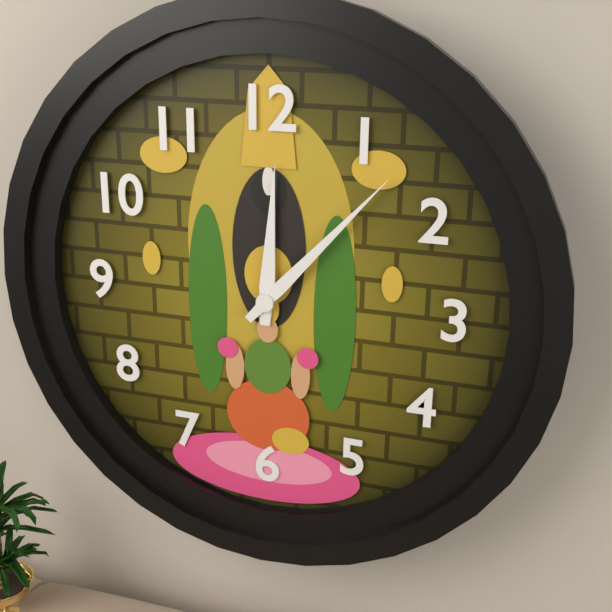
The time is 12:07
